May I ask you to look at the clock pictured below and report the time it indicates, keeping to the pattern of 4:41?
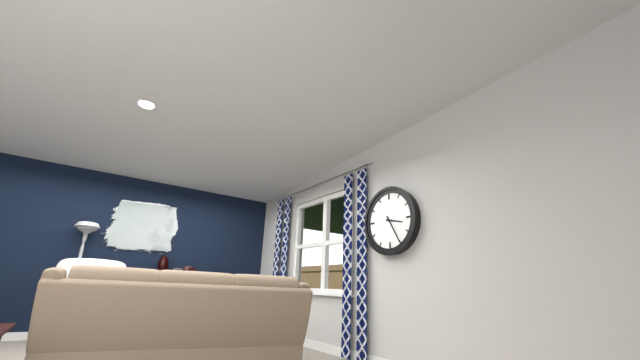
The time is 3:25
